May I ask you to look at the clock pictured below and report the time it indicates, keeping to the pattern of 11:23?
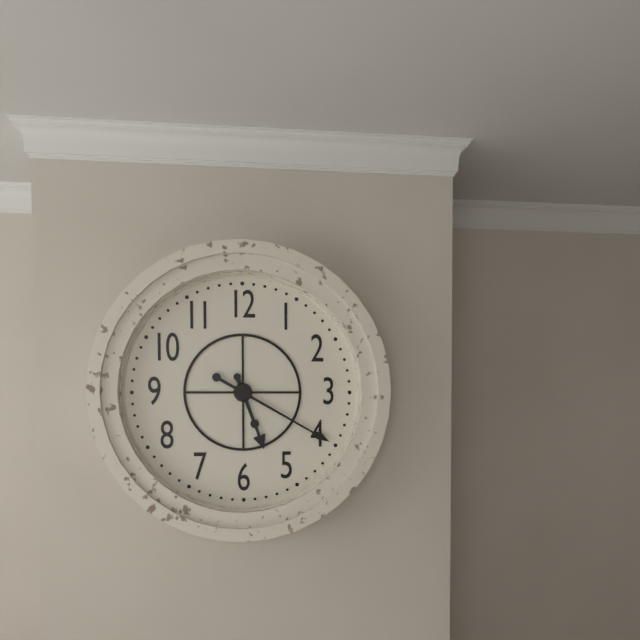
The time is 5:20
